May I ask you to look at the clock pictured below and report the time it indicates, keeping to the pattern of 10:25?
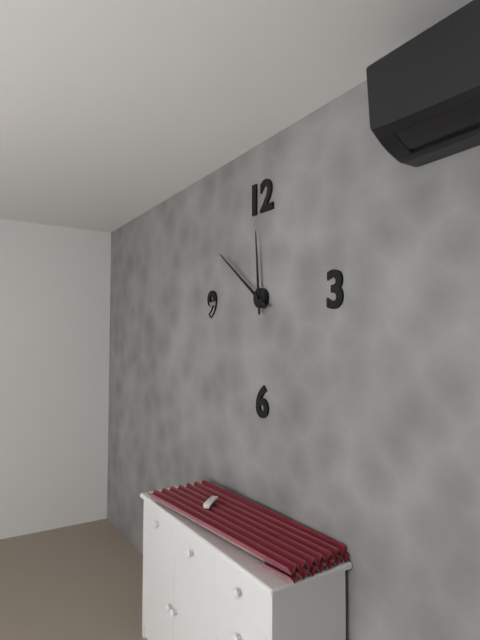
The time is 11:51
